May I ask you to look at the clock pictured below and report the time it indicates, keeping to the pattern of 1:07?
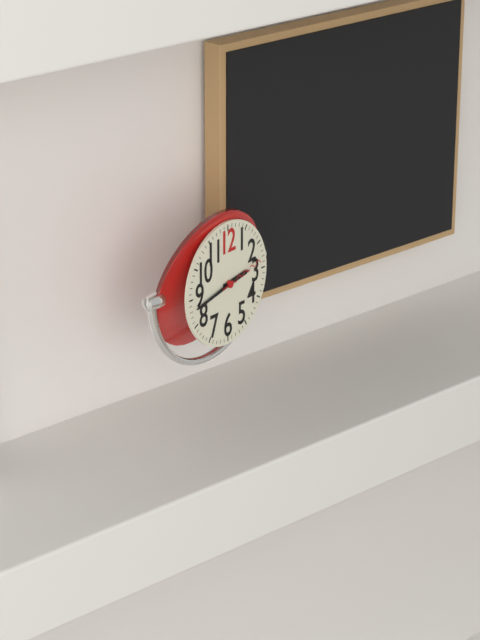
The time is 2:43
